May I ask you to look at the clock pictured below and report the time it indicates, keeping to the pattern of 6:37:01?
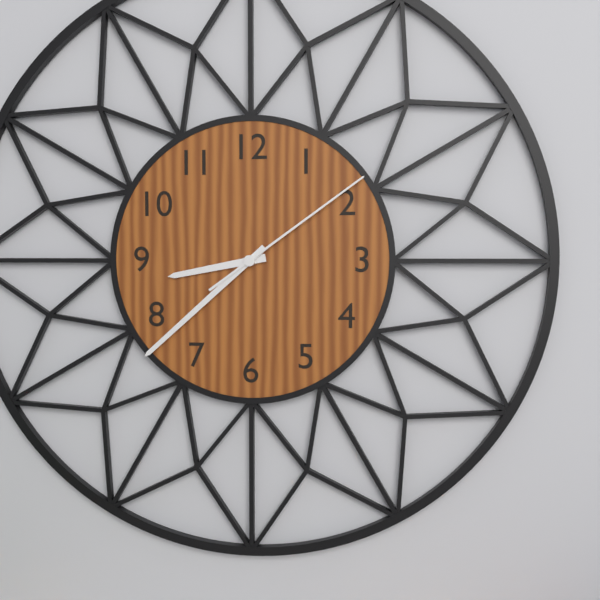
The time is 8:38:09
